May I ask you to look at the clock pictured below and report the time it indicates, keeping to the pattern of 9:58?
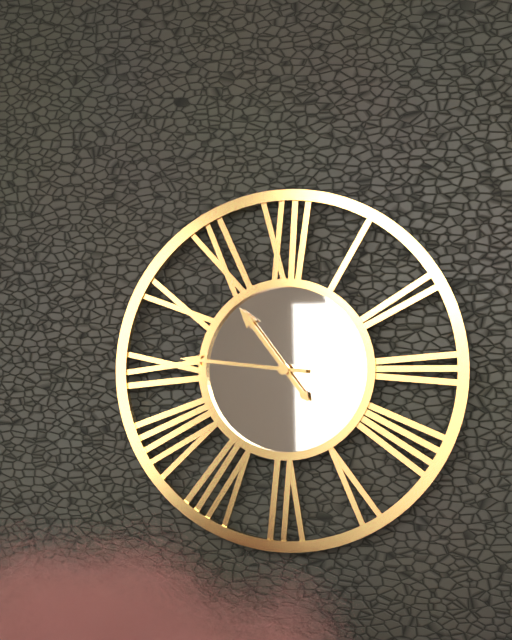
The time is 10:46
